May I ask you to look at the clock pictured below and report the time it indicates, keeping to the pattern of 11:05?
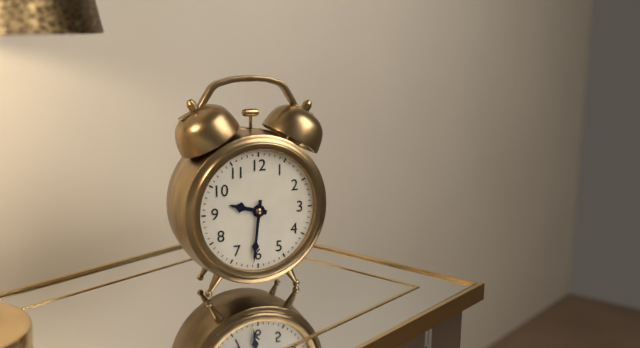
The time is 9:31
